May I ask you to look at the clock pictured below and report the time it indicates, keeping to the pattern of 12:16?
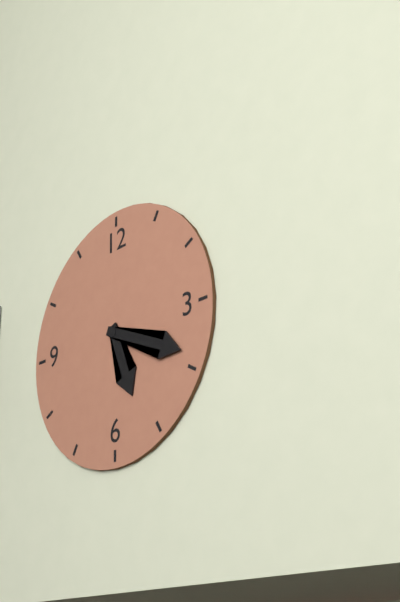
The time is 5:19
